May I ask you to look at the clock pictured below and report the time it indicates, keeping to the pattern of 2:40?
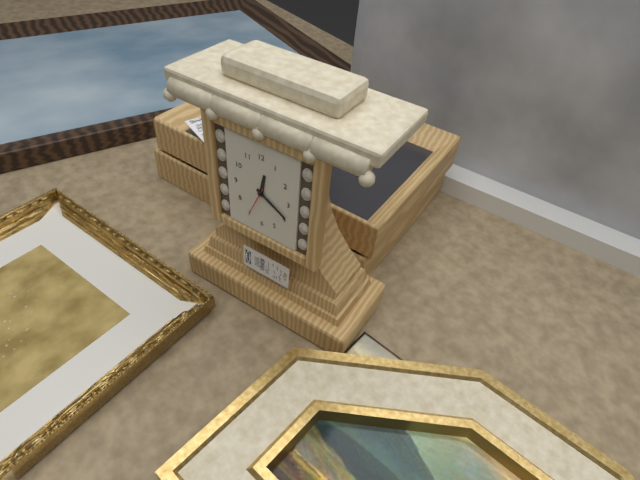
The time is 12:20
